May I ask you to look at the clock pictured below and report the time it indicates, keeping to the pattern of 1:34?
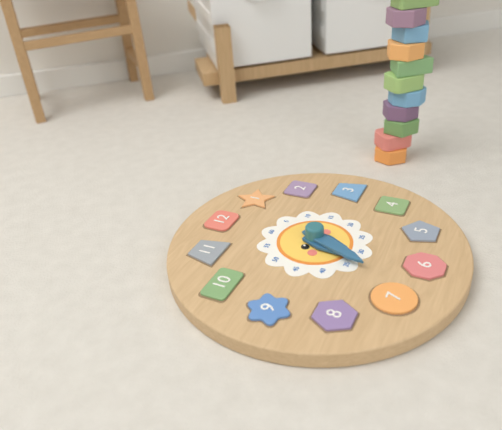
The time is 6:34
